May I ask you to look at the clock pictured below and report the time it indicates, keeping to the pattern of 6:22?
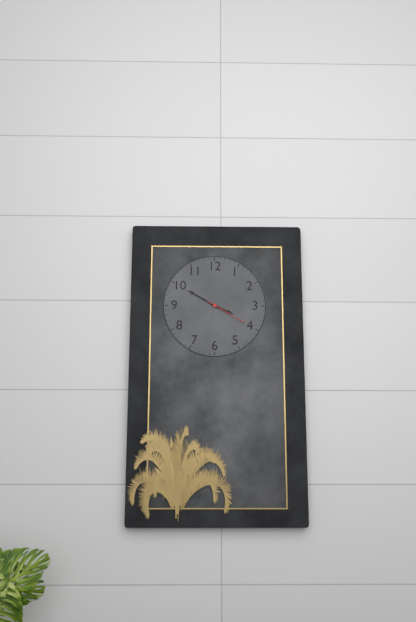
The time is 3:50
